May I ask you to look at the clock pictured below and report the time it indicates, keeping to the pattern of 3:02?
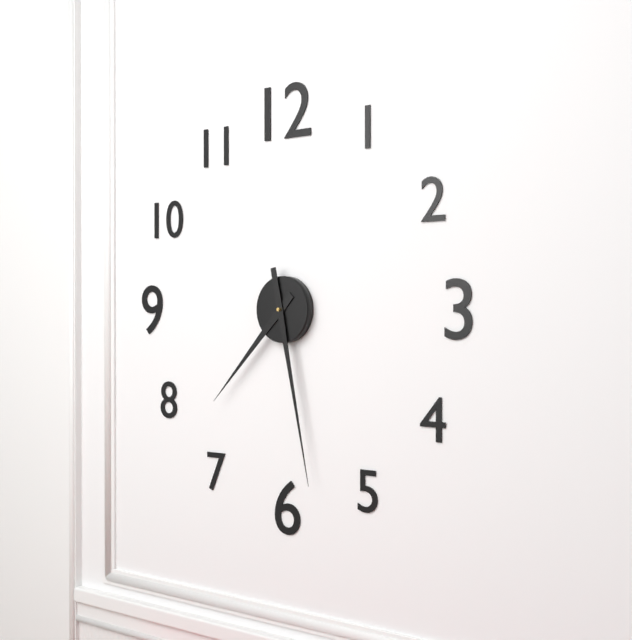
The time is 7:28
